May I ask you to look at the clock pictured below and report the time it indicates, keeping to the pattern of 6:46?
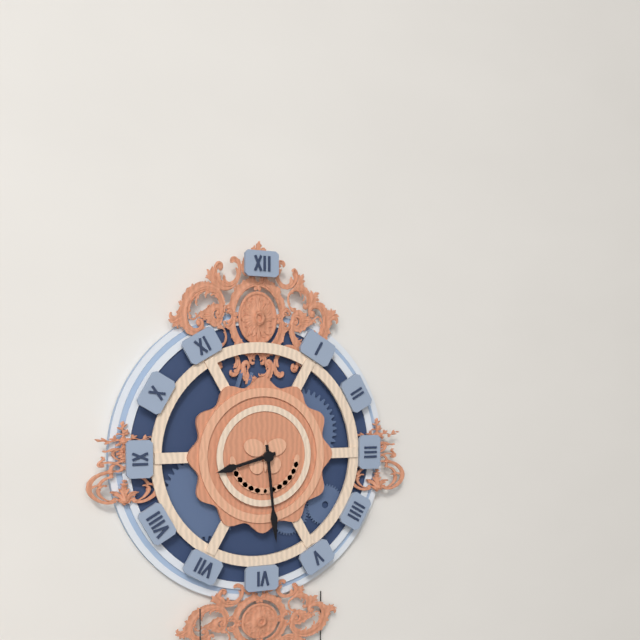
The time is 8:29
